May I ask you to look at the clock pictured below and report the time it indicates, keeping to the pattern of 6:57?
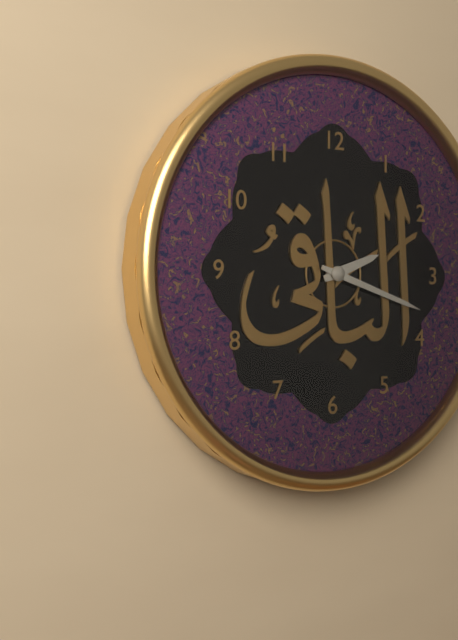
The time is 2:18
